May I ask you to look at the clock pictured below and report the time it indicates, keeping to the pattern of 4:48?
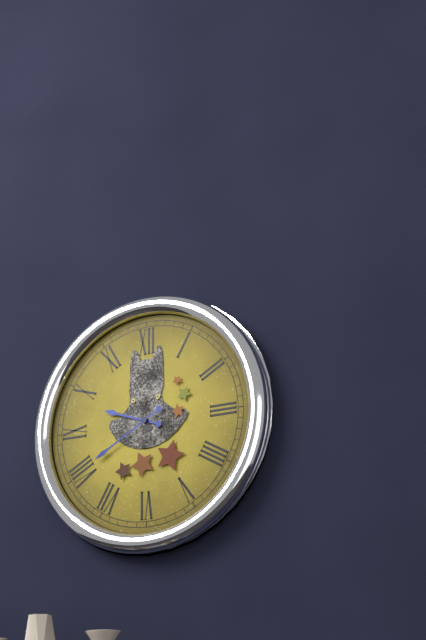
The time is 9:40
